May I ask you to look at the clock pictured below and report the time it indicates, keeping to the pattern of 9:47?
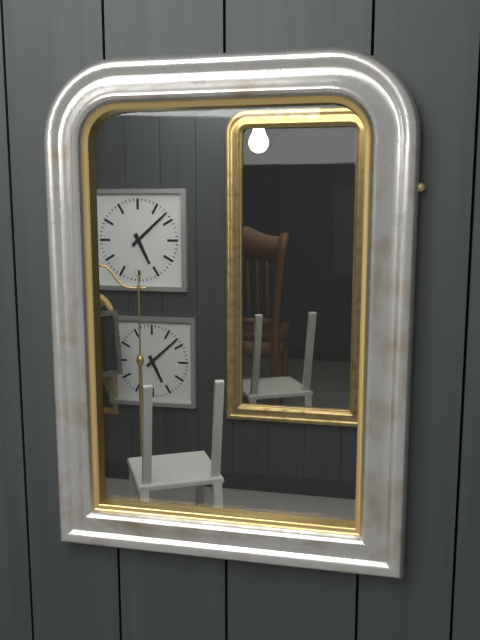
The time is 5:08
